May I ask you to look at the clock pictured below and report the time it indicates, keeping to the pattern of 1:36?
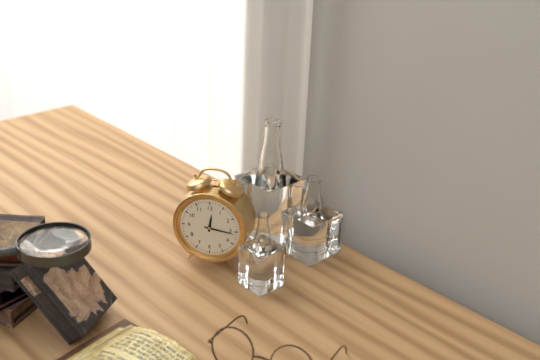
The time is 12:16
